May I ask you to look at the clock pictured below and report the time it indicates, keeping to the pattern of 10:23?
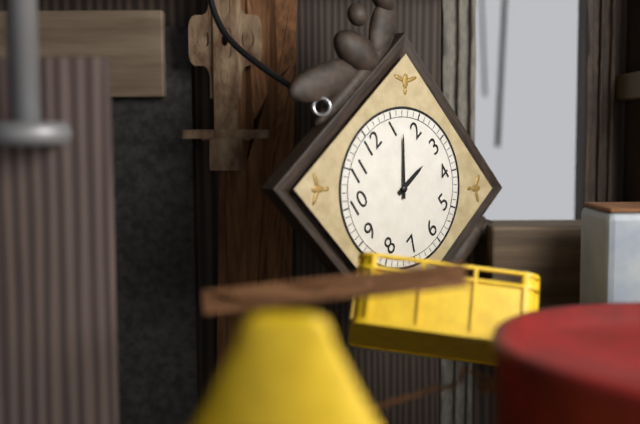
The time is 3:07
